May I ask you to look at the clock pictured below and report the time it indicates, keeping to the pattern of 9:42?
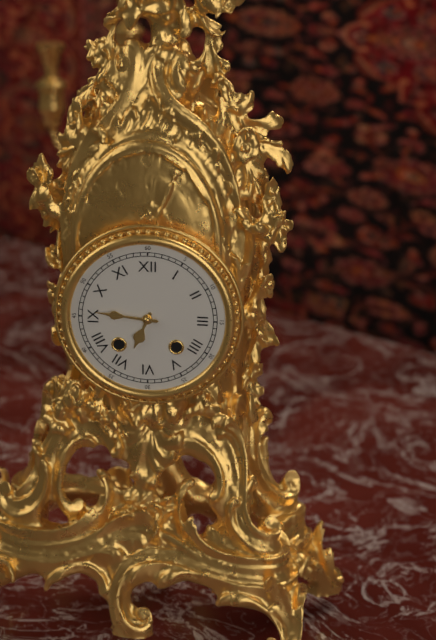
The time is 6:46
